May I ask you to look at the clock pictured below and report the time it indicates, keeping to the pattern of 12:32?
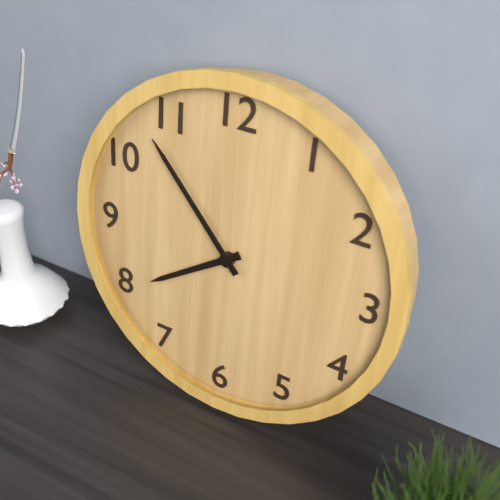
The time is 7:53
